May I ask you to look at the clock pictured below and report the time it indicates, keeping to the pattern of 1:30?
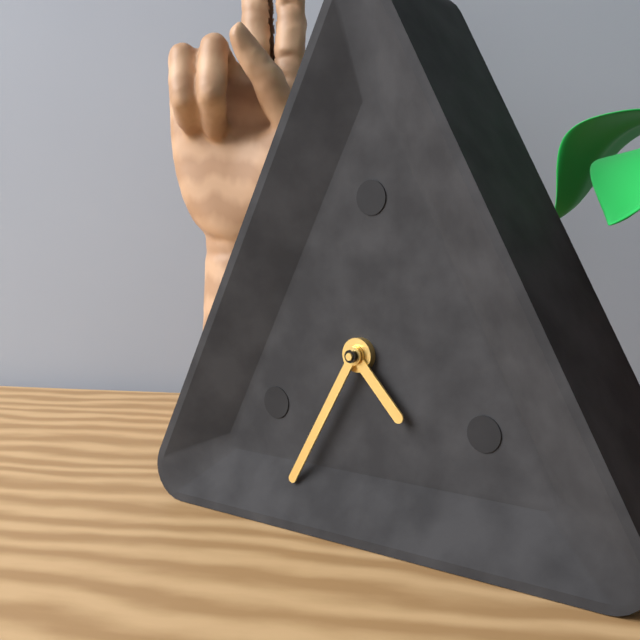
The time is 4:35
